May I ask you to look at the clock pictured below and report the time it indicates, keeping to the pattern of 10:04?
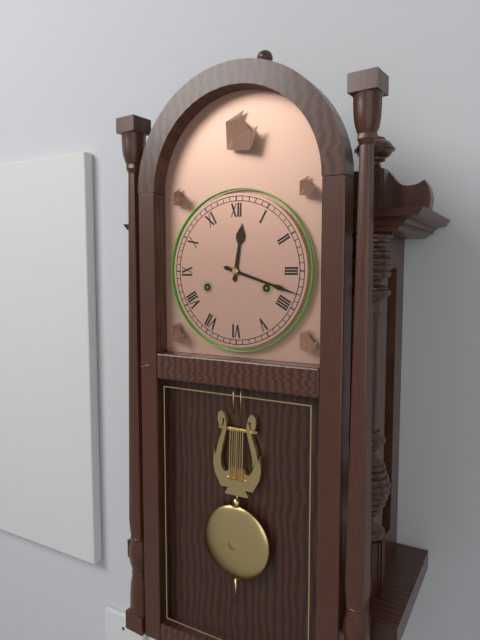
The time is 12:18
